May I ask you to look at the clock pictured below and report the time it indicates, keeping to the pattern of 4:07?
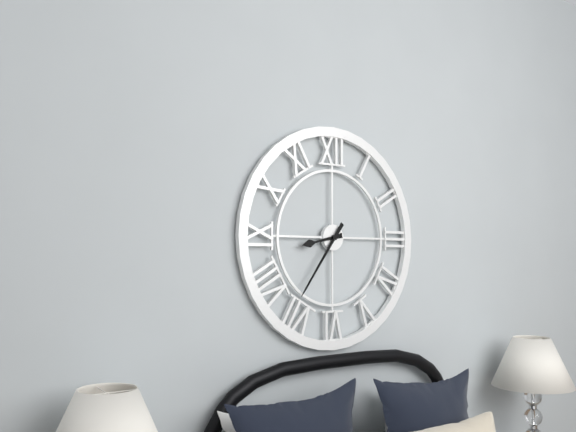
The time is 8:36
